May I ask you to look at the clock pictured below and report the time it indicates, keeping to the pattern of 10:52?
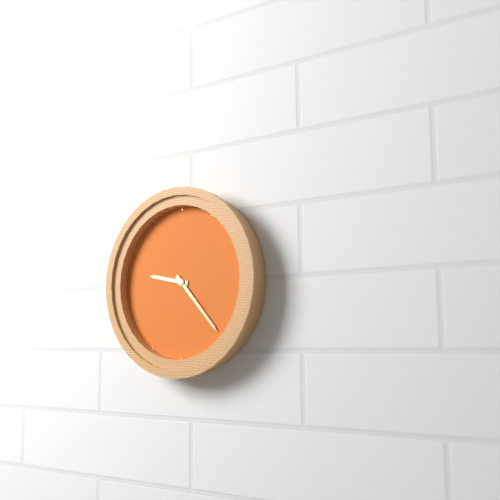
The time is 9:23
